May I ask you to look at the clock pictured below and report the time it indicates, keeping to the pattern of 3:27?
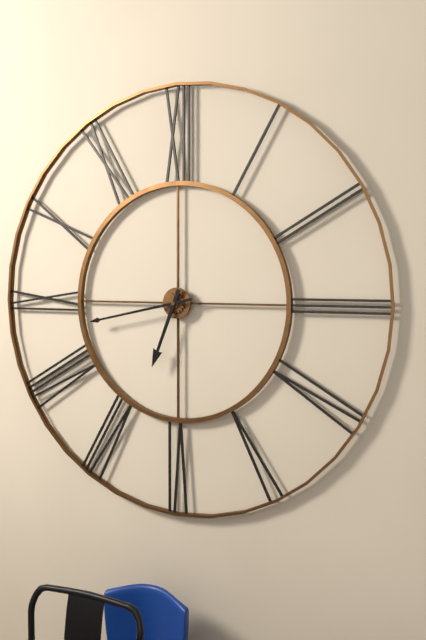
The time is 6:43
